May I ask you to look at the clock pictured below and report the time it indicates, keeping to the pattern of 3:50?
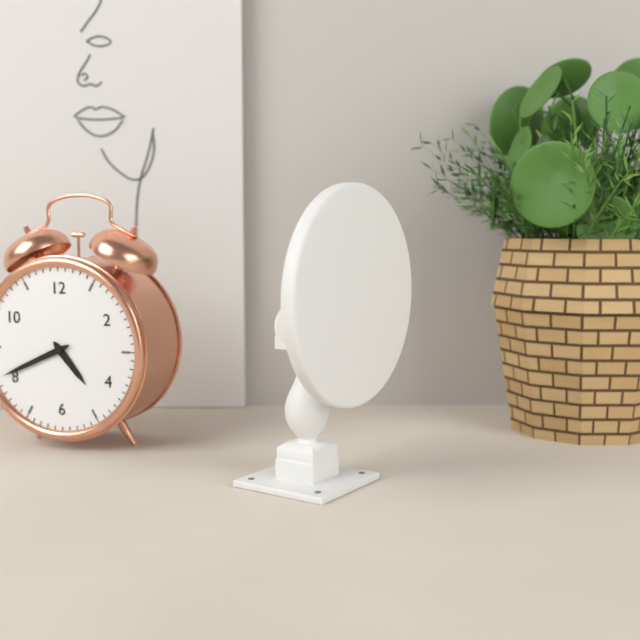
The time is 4:41
